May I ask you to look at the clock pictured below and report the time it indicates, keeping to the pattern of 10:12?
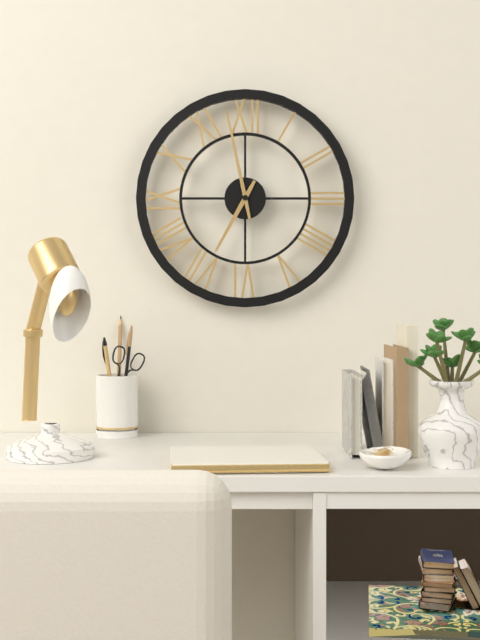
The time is 6:58
